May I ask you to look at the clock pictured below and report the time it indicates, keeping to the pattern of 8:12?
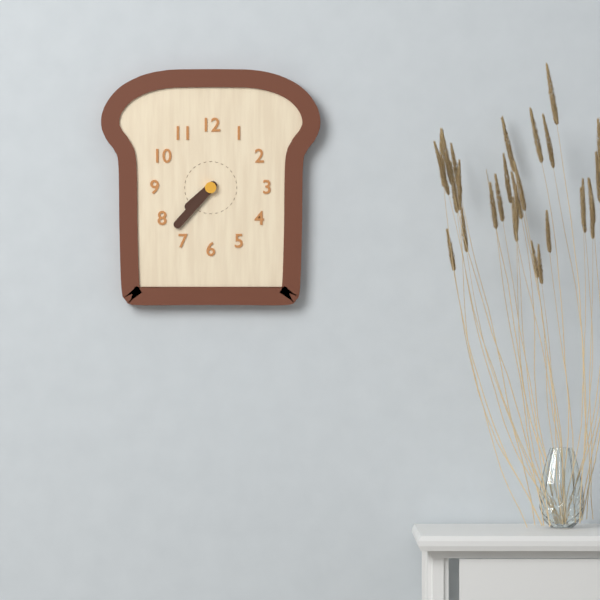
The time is 7:37
